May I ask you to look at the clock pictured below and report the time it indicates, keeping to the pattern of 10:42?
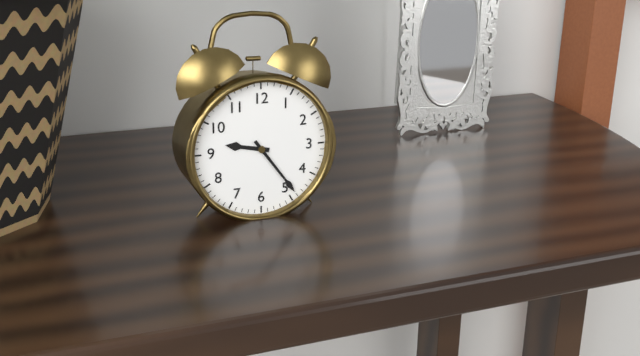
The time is 9:24
